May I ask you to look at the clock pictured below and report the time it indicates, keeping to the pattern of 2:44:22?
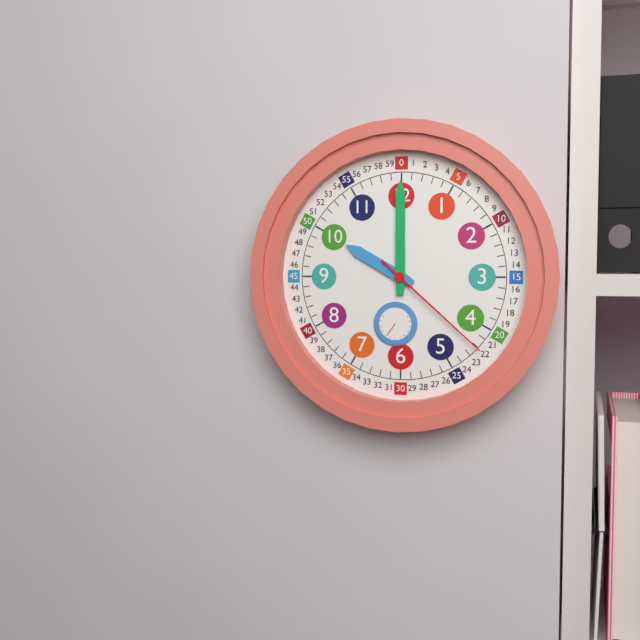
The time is 10:00:22
